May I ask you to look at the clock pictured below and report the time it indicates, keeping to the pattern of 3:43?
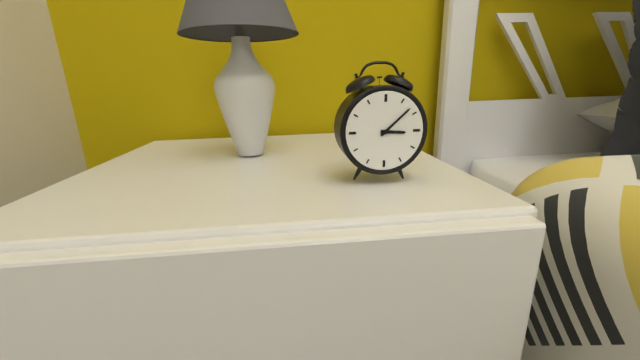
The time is 3:08
